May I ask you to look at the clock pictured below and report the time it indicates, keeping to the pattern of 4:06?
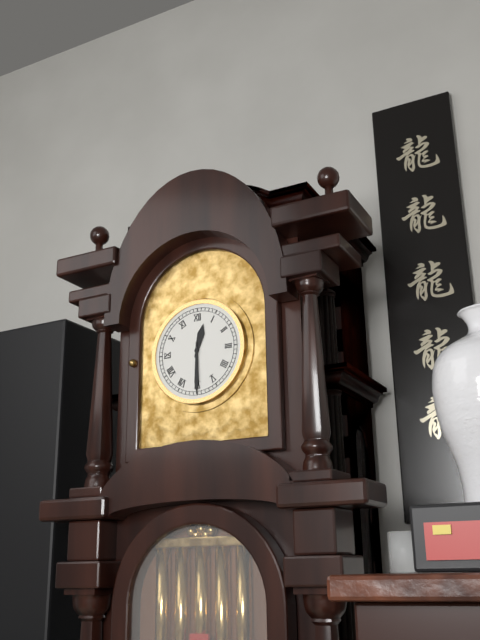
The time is 12:30
